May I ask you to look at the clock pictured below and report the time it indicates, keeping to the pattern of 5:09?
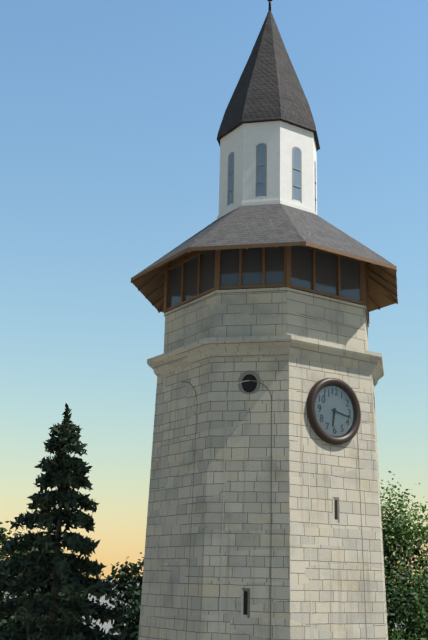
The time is 6:17
